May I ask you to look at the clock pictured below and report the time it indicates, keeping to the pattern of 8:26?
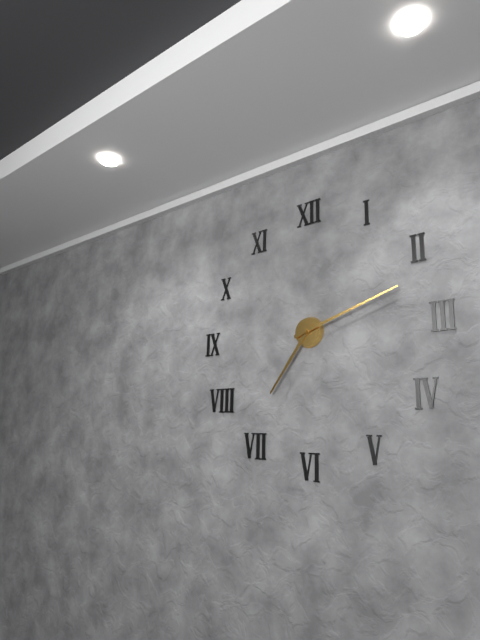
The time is 7:12
